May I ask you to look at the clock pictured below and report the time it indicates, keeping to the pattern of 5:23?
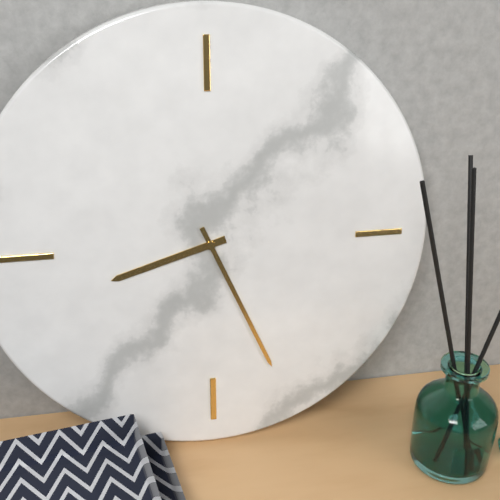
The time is 8:26
